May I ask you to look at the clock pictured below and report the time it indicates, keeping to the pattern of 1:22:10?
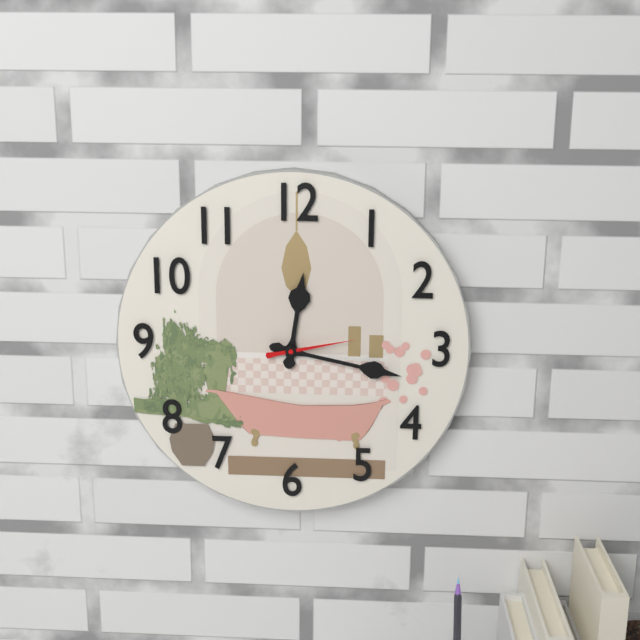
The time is 12:17:13
